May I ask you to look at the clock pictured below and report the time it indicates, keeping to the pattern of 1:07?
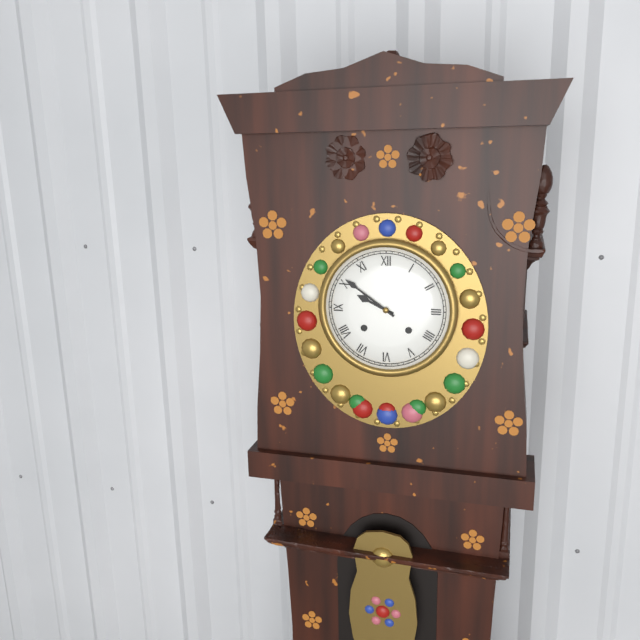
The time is 9:51
